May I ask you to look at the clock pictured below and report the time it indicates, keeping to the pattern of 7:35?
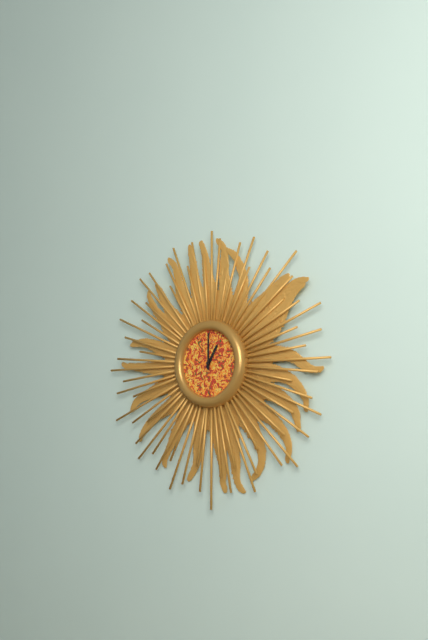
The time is 1:00
